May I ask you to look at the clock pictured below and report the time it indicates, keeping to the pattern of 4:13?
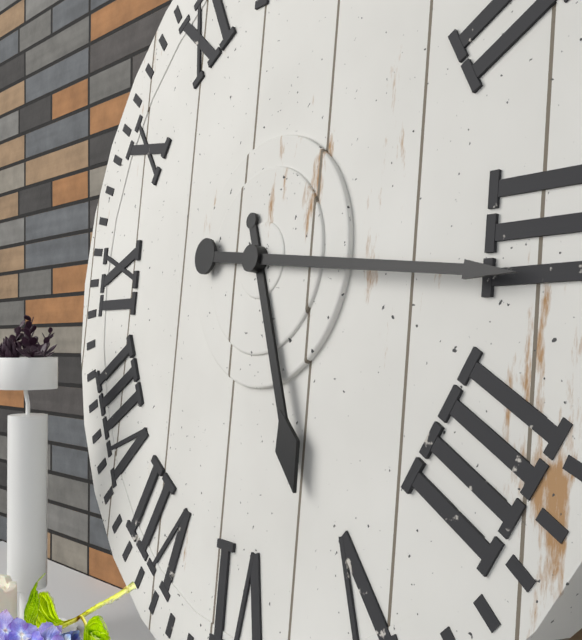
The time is 5:16
